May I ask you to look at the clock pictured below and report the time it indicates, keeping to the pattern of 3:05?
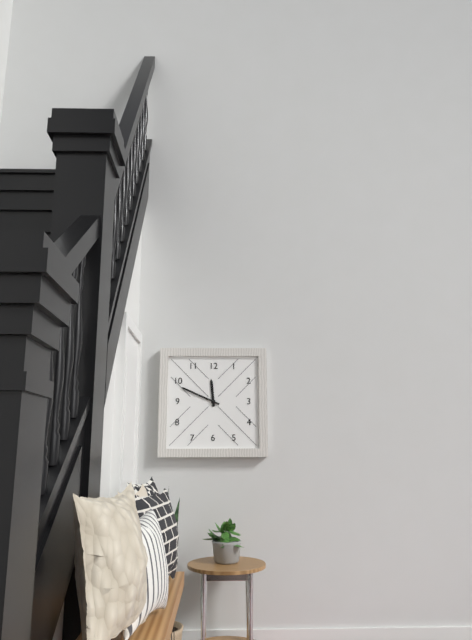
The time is 11:49
